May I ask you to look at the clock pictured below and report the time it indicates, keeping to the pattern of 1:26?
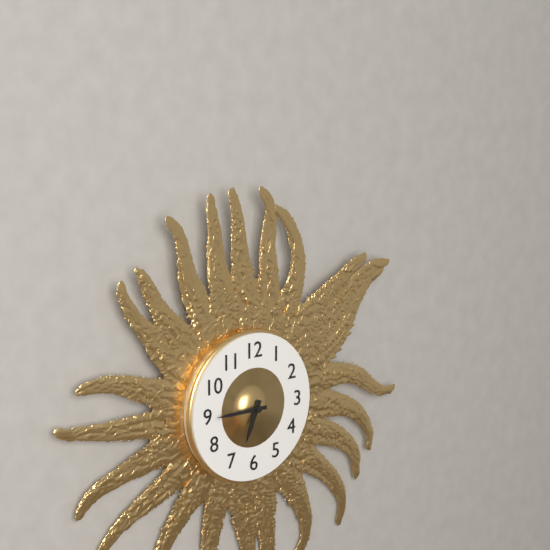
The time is 6:45
